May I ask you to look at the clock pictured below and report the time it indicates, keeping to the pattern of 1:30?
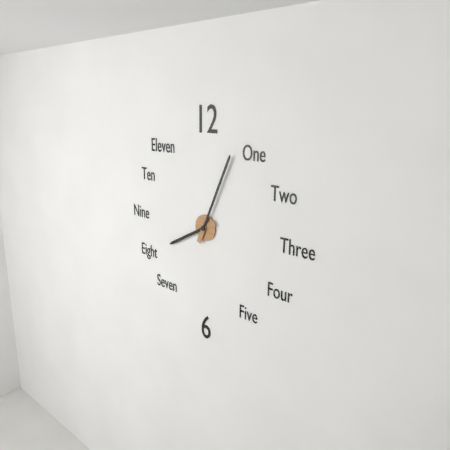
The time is 8:04
